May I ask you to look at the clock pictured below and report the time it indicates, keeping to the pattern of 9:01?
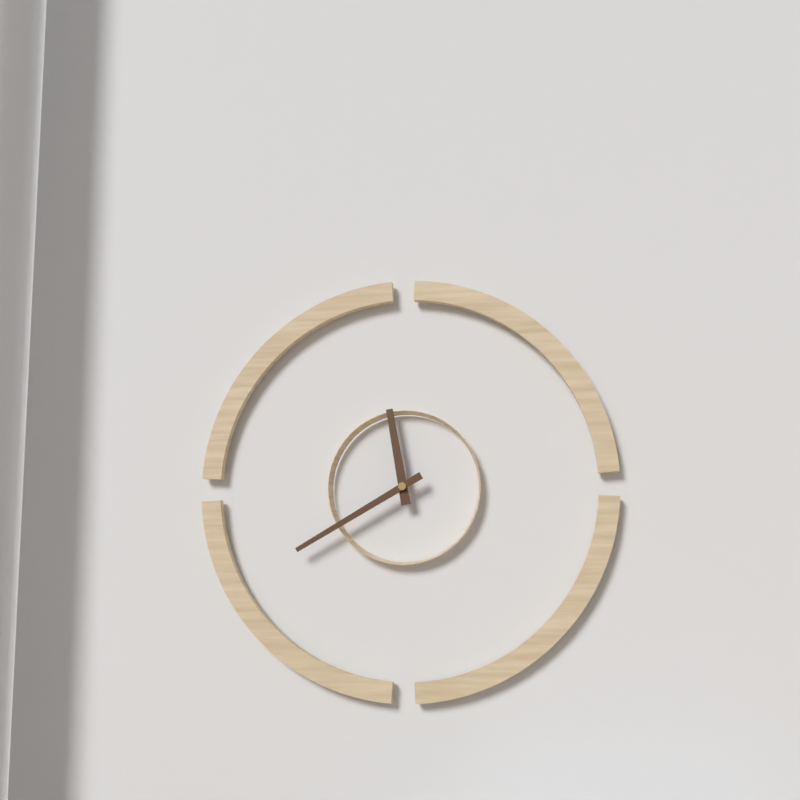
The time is 11:40
